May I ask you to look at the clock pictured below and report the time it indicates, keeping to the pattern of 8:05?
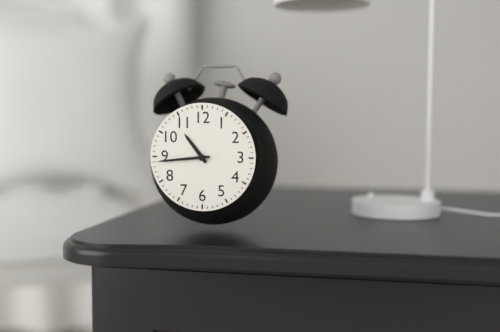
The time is 10:44
